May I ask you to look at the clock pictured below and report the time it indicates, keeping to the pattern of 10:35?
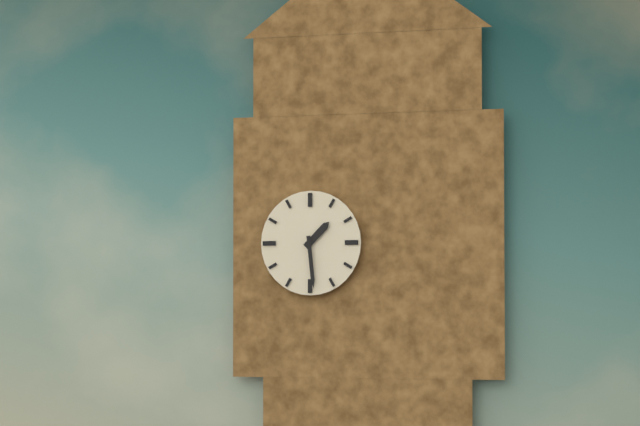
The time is 1:29
